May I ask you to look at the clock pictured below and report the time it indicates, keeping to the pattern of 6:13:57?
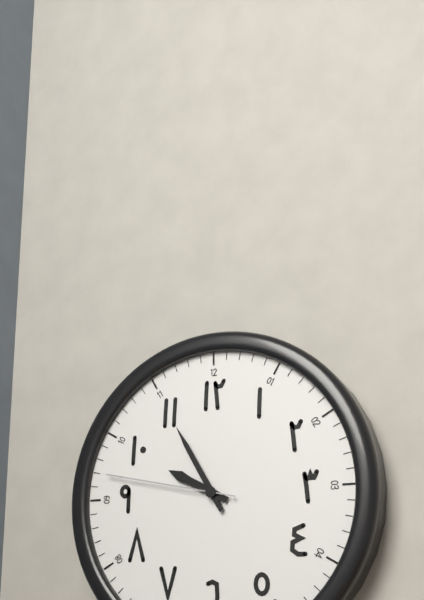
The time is 9:55:47
